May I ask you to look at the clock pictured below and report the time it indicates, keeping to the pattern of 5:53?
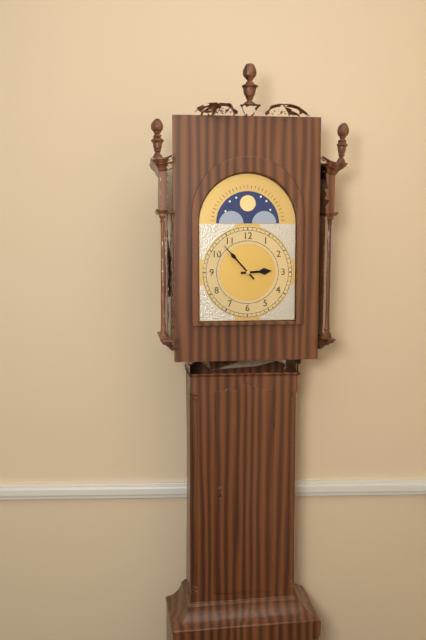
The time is 2:53
